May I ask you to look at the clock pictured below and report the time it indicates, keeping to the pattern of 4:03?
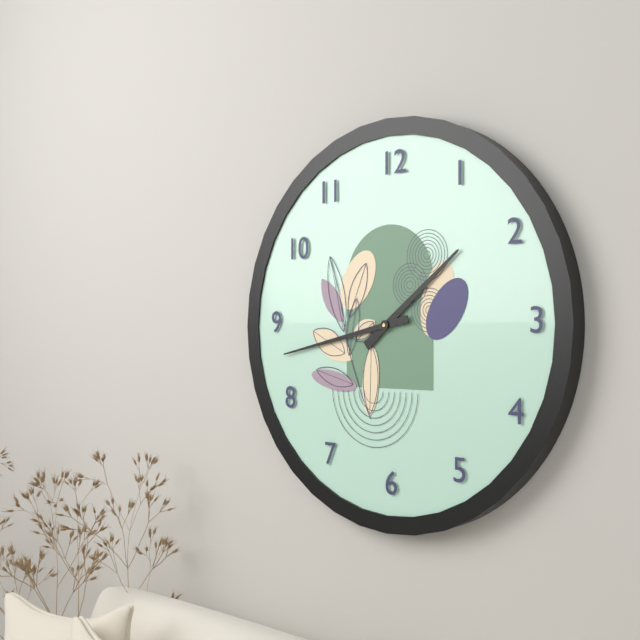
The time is 1:43
